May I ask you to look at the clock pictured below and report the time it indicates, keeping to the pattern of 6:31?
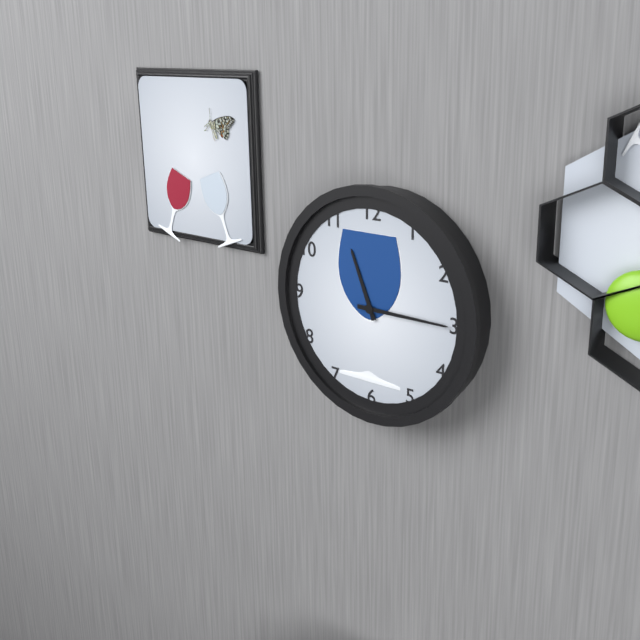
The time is 11:15
